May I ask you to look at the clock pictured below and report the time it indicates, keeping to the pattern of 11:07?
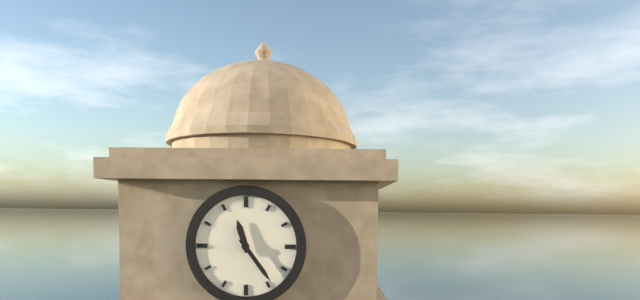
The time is 11:24
